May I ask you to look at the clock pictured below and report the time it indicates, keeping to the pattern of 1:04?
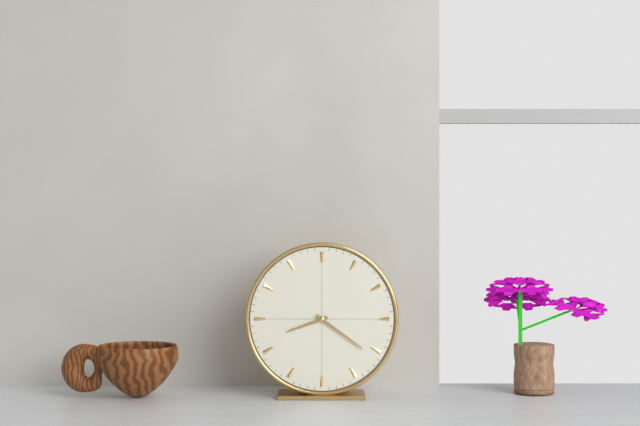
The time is 8:21
